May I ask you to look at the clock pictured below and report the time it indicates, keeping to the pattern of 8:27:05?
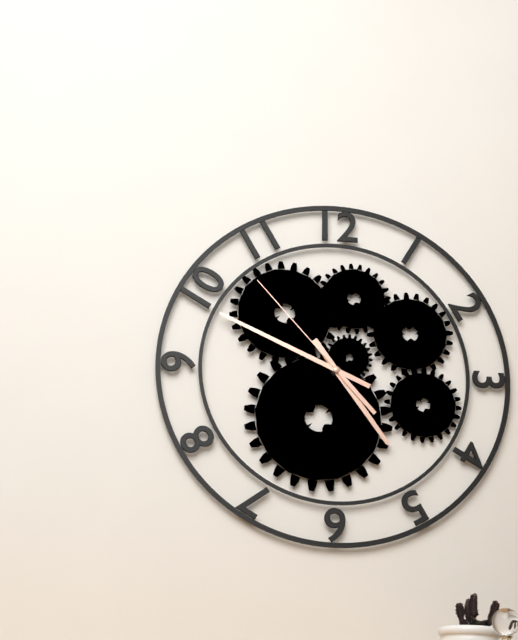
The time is 4:49:53
